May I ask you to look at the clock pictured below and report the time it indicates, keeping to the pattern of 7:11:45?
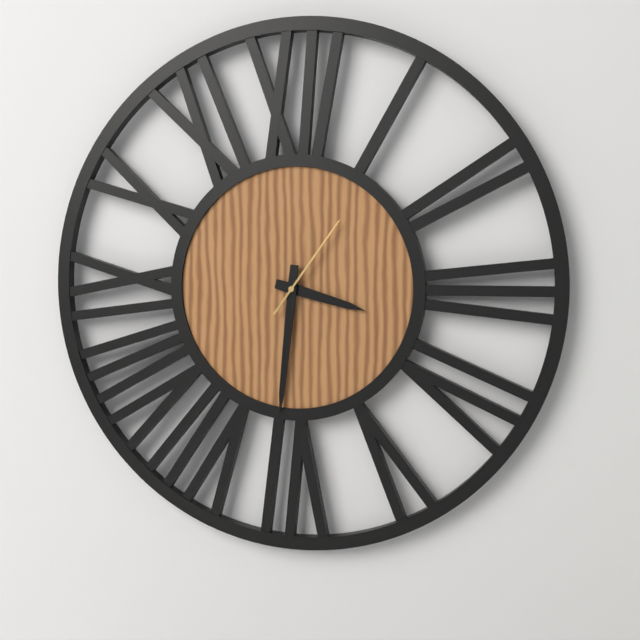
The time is 3:31:06
